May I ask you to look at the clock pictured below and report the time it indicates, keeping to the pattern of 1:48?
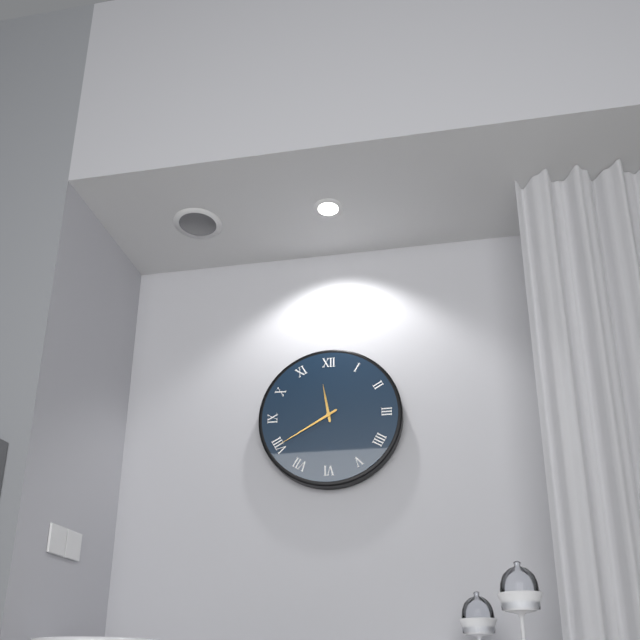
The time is 11:40
